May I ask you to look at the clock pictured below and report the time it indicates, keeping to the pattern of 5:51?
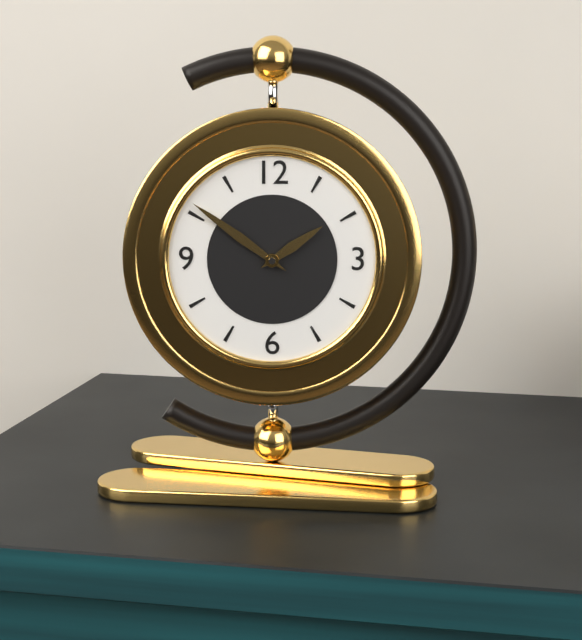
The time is 1:51
